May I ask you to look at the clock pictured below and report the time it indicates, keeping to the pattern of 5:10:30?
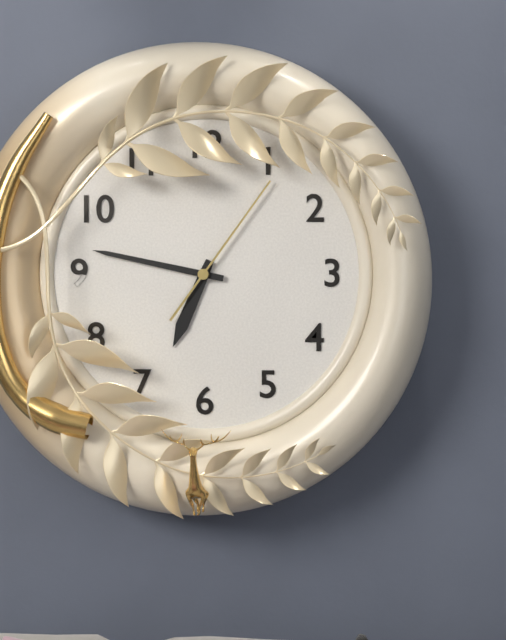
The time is 6:47:06
